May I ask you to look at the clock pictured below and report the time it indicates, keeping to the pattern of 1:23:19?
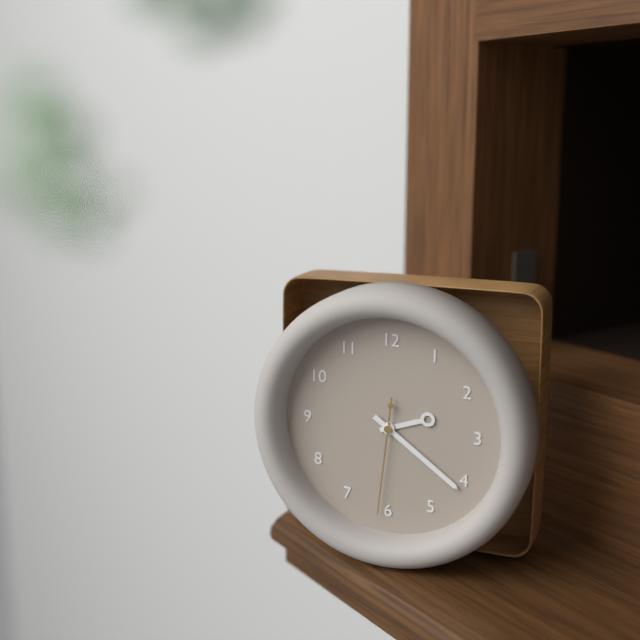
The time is 2:21:31
